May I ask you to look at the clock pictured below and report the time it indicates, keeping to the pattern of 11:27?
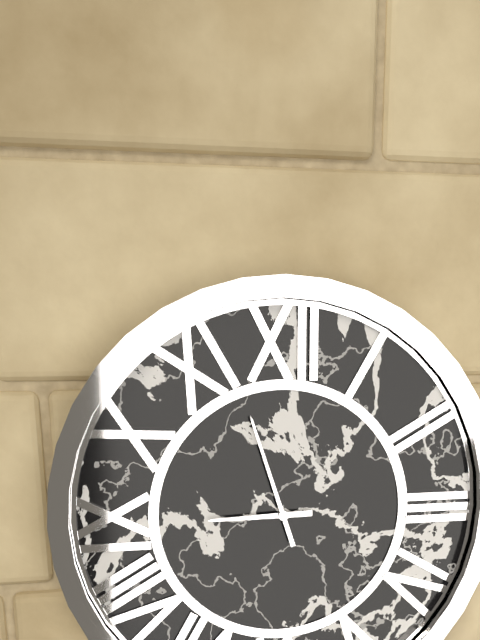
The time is 8:57
